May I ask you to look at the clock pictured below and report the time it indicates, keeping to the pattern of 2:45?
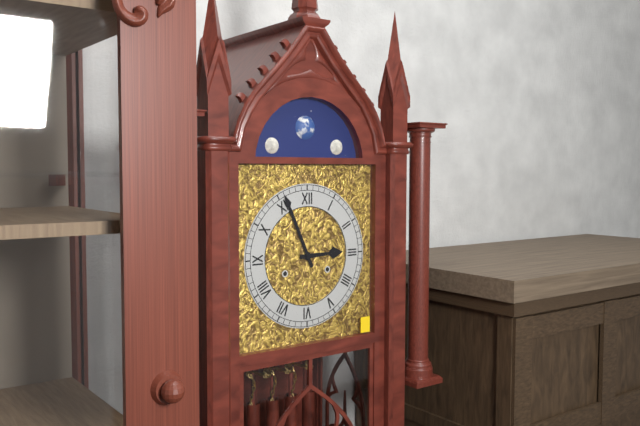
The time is 2:56
